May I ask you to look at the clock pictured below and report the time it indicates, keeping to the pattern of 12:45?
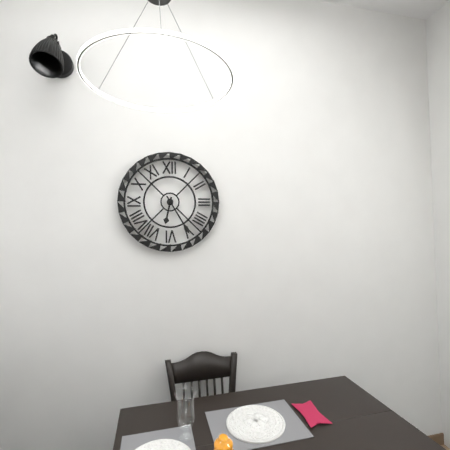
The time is 6:25
